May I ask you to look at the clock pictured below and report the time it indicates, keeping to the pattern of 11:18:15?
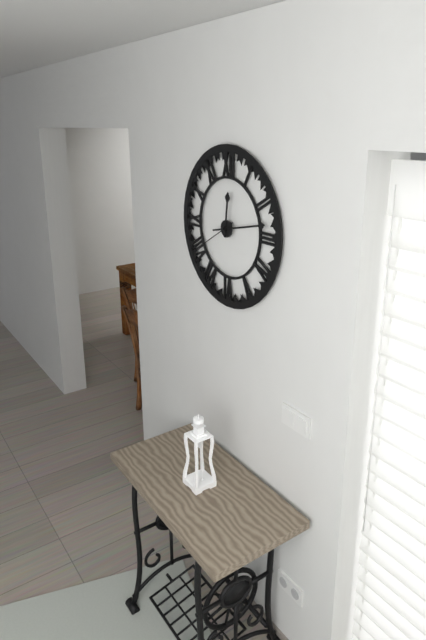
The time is 12:13:40
